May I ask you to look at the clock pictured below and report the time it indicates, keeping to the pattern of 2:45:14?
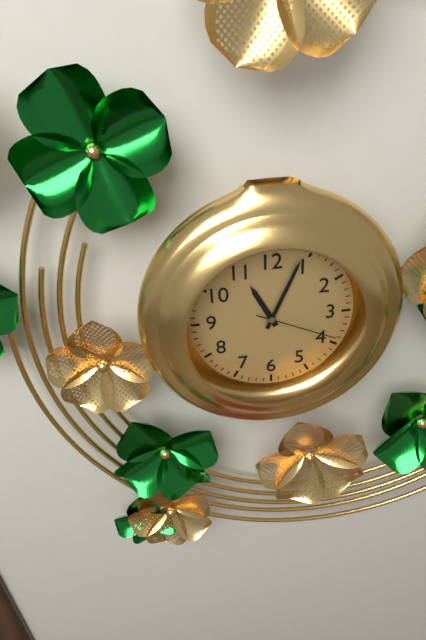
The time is 11:04:19
